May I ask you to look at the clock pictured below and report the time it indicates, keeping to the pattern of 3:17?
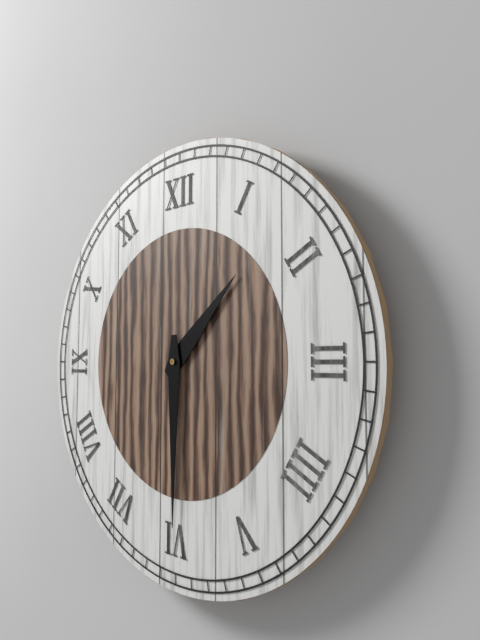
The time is 1:30
